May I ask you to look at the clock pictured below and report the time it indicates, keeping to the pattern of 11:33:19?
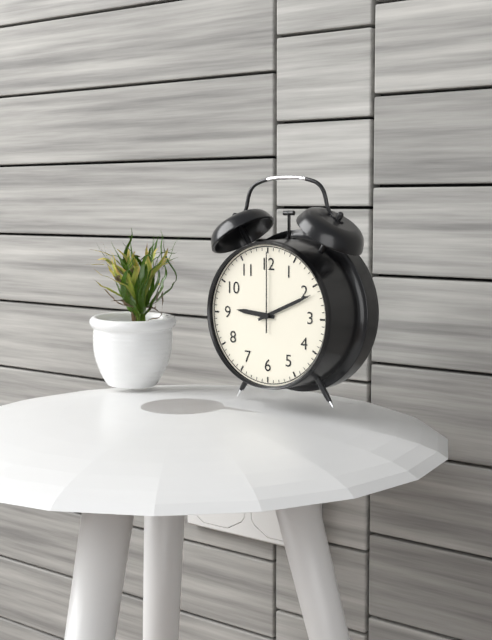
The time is 9:11:00
